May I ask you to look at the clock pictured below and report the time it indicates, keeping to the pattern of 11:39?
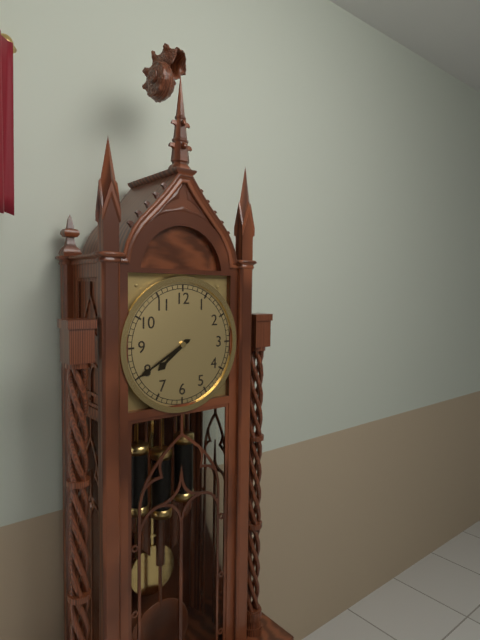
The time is 7:40
